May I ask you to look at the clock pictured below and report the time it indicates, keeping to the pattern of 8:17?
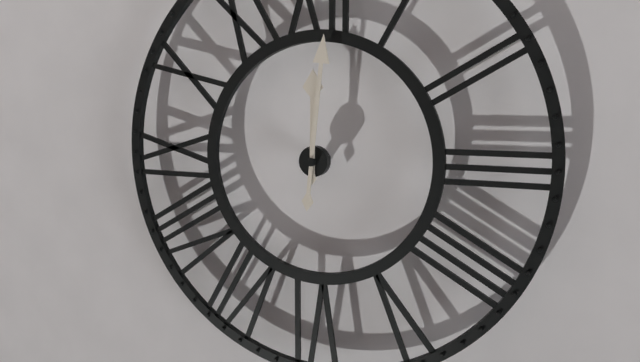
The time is 12:01
